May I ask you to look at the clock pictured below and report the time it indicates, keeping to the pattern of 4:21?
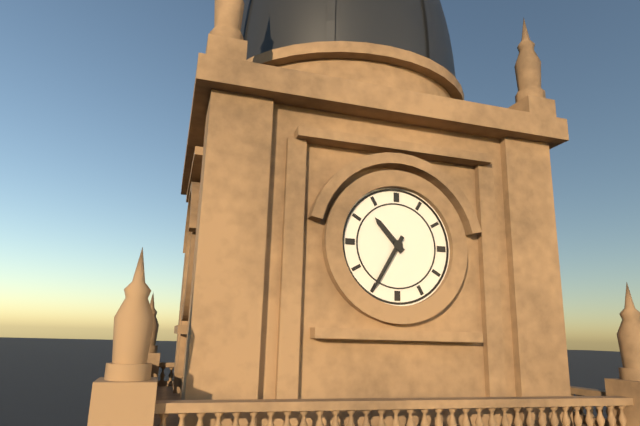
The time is 10:35
